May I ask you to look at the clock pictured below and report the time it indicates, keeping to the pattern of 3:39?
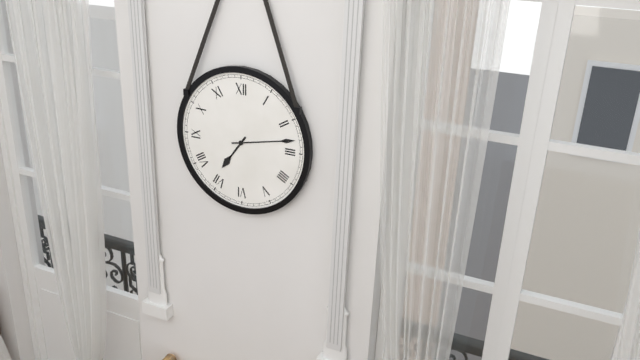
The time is 7:13
